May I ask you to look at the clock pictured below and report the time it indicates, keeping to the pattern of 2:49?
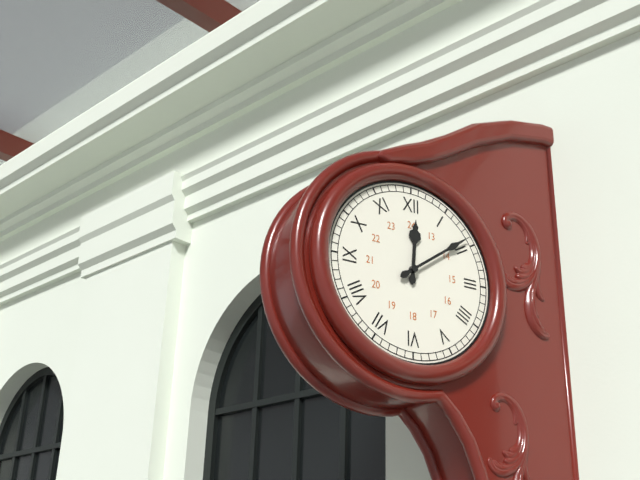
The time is 12:09
